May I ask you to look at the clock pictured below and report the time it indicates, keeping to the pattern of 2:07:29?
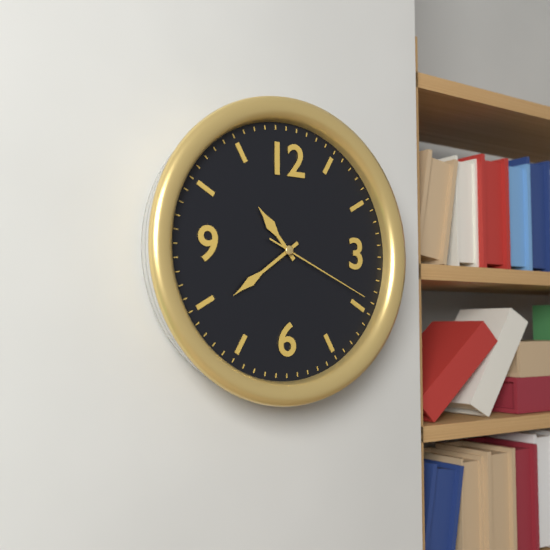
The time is 10:39:19
